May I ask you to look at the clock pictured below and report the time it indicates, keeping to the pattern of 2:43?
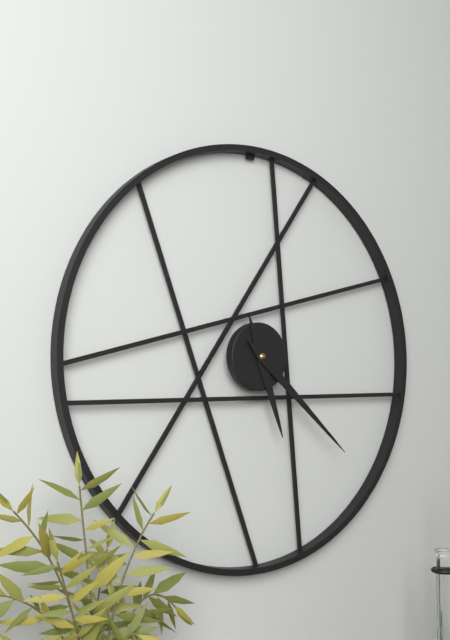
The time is 5:22
